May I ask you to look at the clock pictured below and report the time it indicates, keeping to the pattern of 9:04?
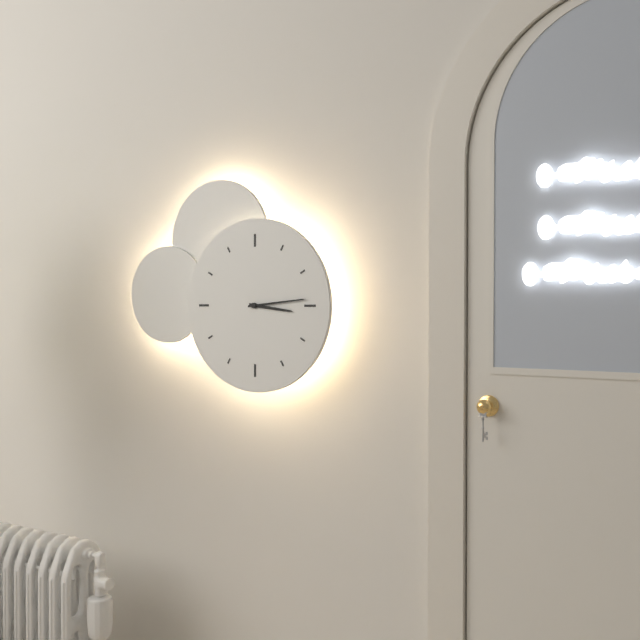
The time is 3:14
